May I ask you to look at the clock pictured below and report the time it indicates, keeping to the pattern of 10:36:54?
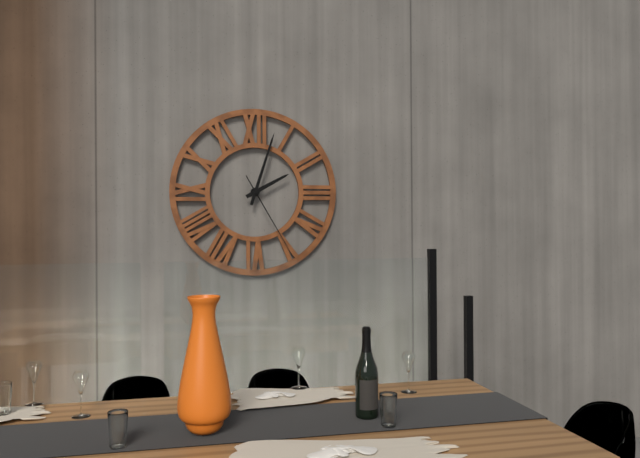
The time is 2:03:25
